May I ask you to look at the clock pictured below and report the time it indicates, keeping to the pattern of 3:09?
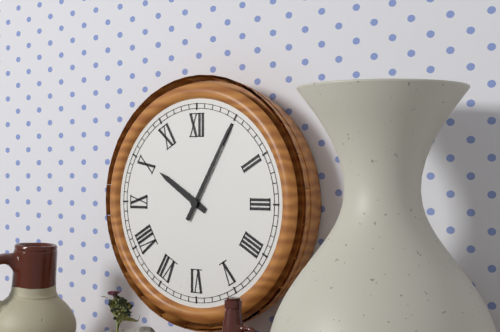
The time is 10:05
